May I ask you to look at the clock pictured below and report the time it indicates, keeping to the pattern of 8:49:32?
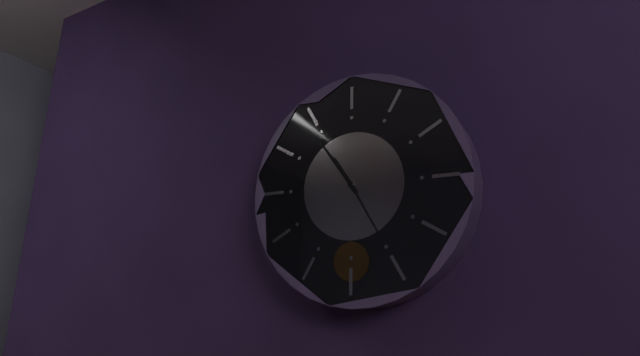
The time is 10:54:25
